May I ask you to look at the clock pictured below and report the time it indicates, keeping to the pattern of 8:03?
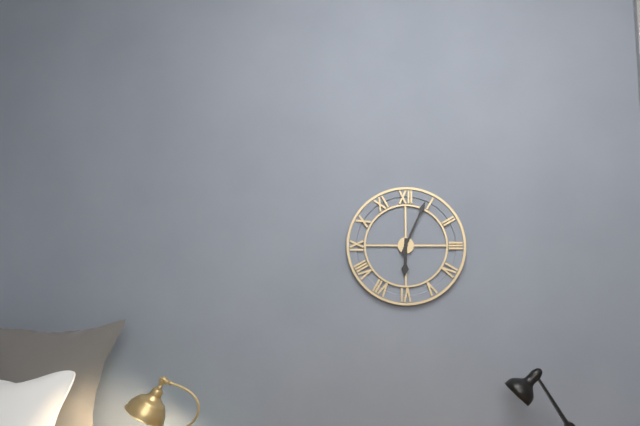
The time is 6:04
